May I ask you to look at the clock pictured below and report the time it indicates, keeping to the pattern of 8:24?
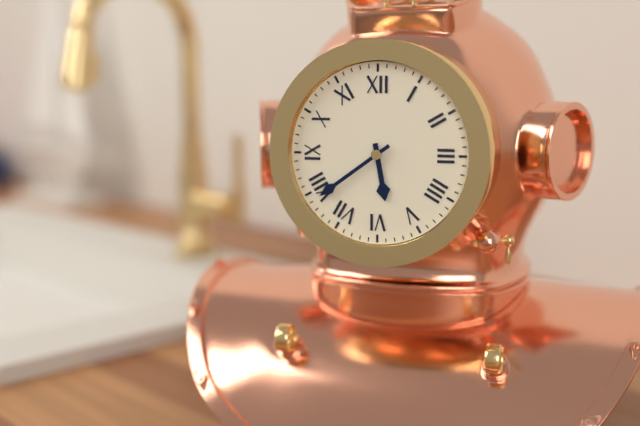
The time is 5:39
